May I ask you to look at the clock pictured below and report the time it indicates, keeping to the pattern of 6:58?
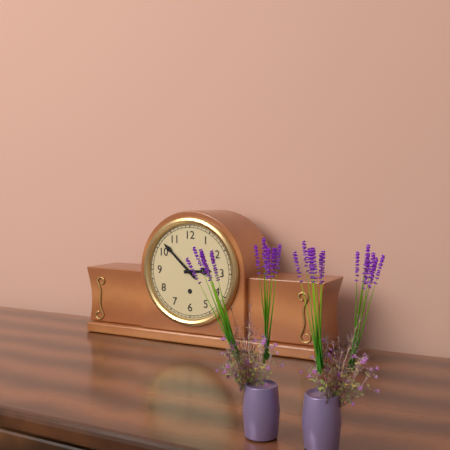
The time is 2:52
